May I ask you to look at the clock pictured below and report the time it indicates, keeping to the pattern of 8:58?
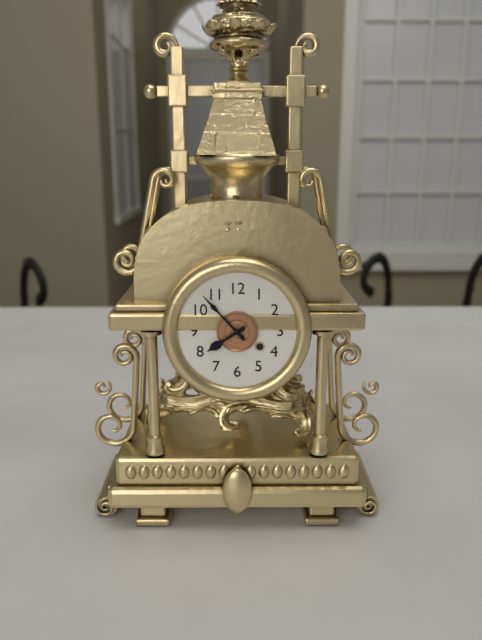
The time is 7:53
